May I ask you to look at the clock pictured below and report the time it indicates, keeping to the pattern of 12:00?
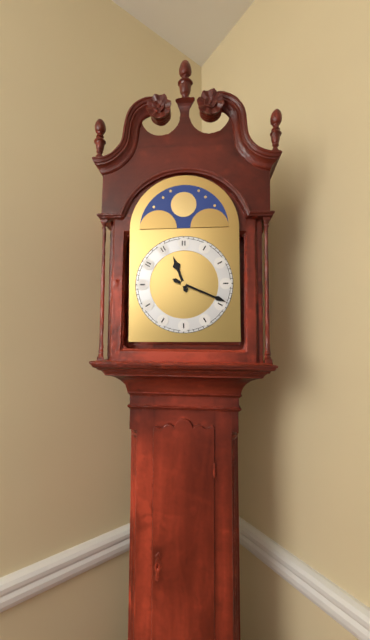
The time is 11:19
